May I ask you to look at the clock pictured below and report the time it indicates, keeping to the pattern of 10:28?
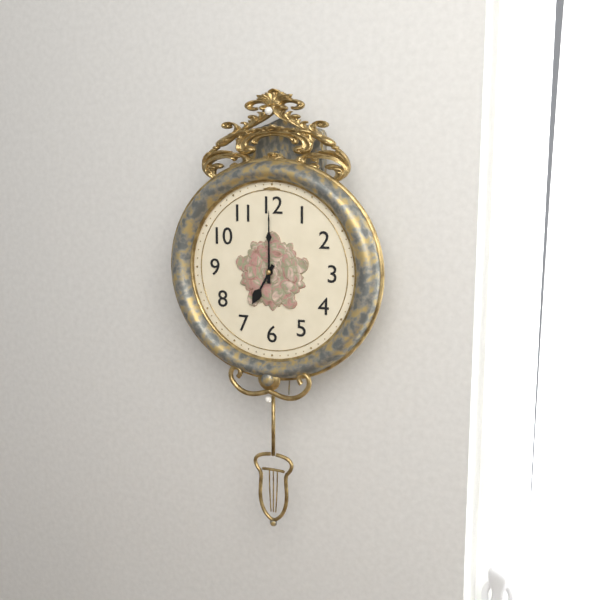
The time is 7:00
